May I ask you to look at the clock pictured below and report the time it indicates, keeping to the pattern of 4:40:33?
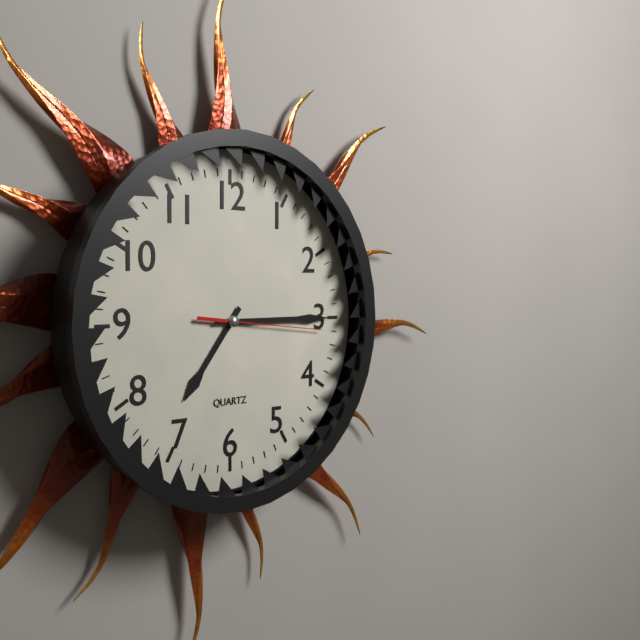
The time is 7:15:16
